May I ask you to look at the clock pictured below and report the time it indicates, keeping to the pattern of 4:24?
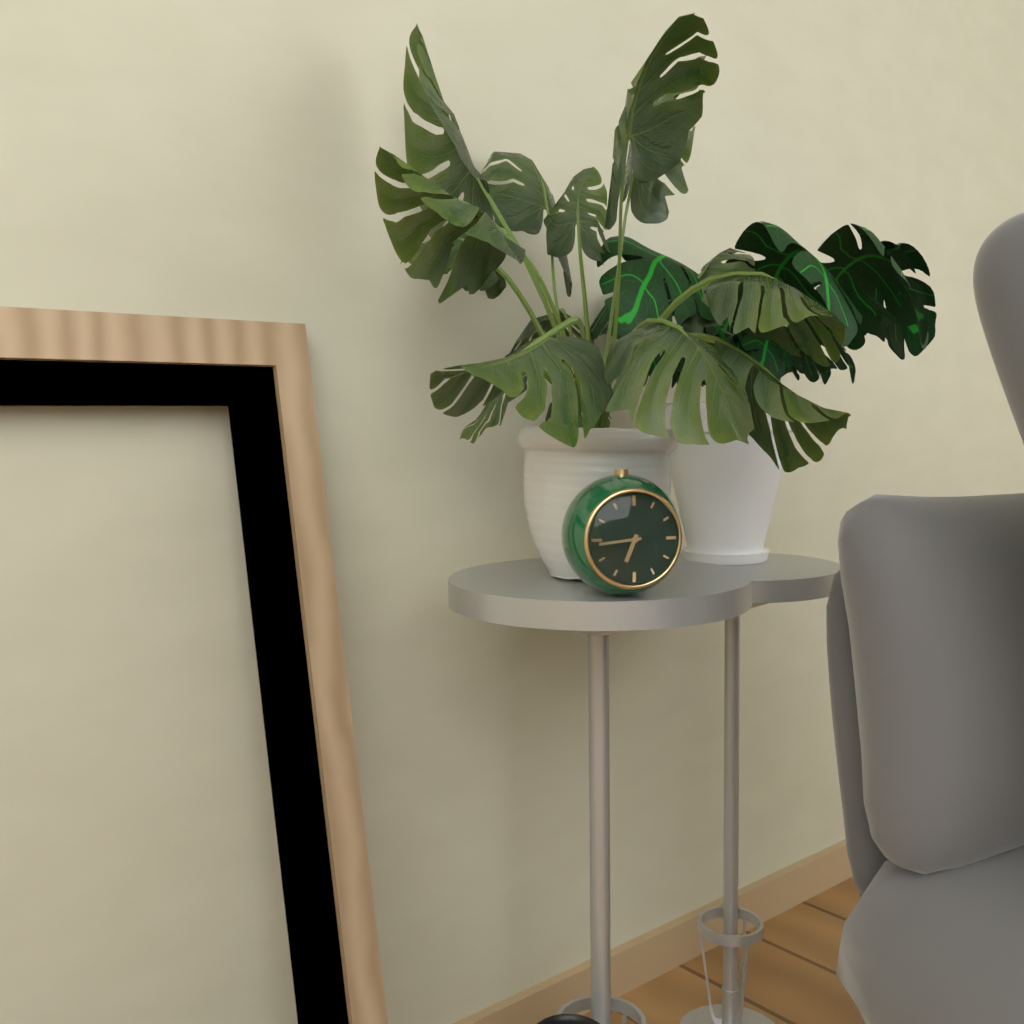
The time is 6:44
